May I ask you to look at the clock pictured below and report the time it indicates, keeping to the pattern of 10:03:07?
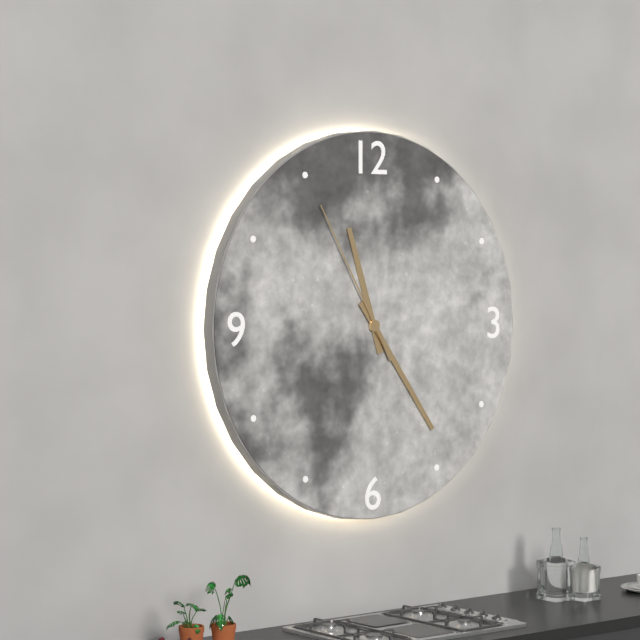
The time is 11:24:55
